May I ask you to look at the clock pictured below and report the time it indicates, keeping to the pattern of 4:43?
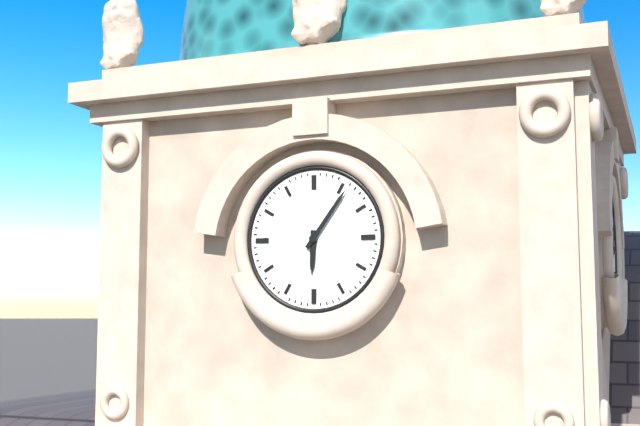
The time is 6:06
